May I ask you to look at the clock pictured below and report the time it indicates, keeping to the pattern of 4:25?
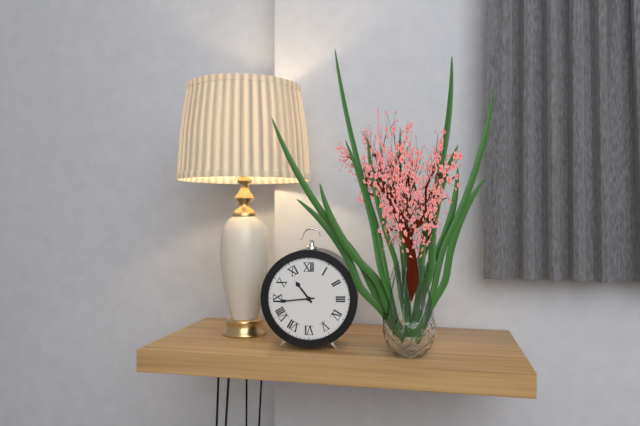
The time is 10:44
